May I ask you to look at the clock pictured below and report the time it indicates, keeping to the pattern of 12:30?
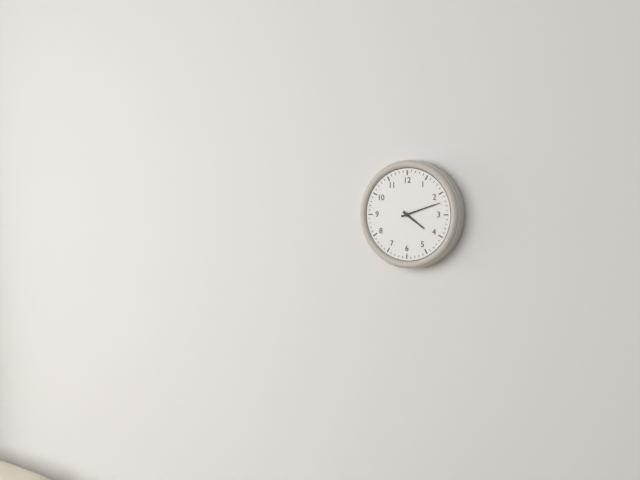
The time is 4:12
